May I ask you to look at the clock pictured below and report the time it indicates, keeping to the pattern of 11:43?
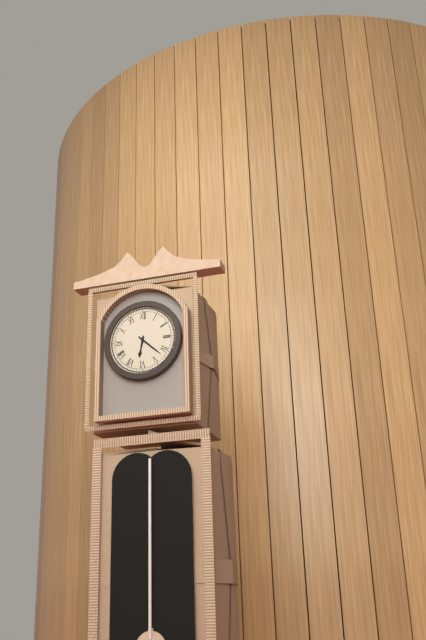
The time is 6:22
